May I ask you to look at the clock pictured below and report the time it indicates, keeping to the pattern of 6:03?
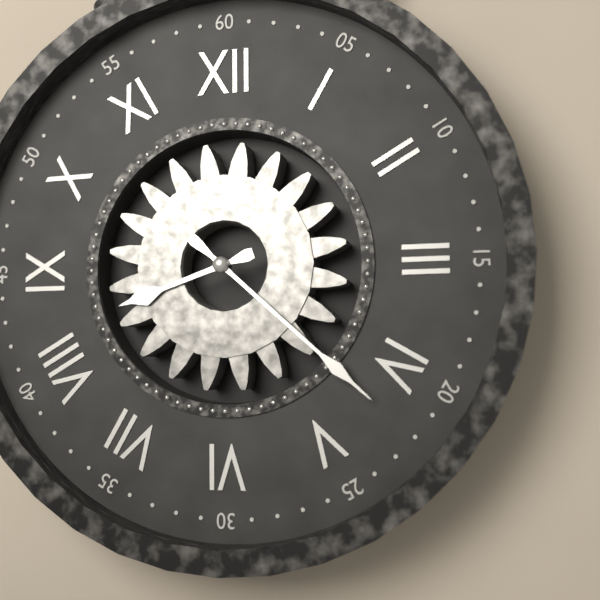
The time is 8:22
